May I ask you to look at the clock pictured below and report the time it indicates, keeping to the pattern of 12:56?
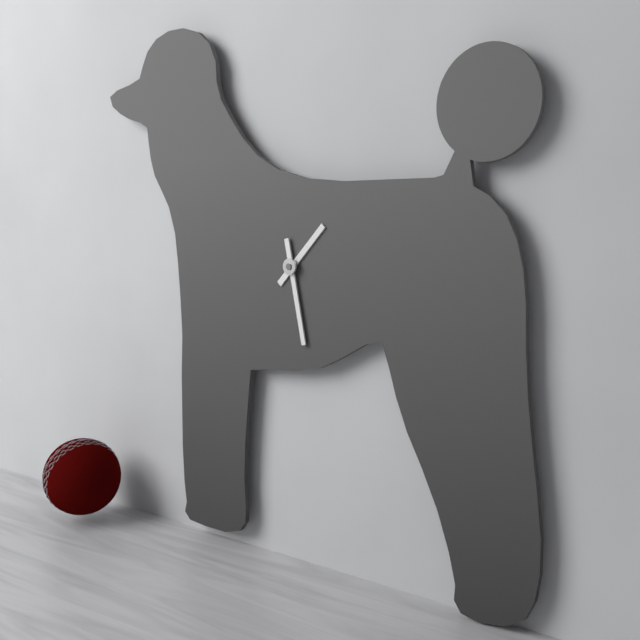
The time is 1:28
